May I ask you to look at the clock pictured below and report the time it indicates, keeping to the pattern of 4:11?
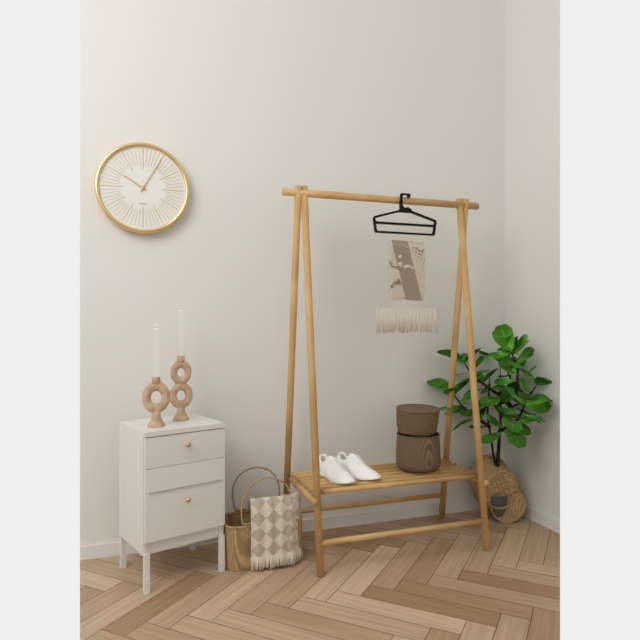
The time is 10:05
